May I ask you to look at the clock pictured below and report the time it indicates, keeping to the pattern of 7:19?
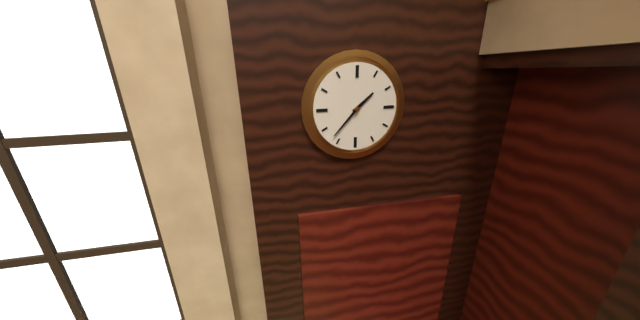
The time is 1:37
